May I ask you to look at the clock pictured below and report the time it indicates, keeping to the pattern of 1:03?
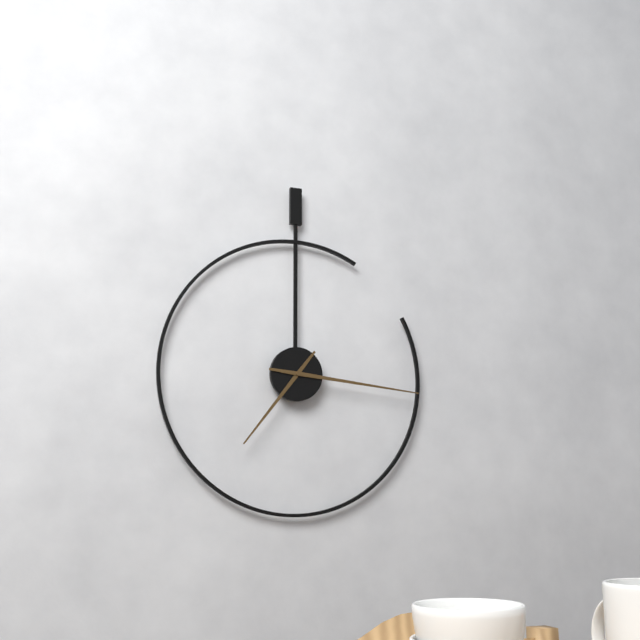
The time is 7:16
